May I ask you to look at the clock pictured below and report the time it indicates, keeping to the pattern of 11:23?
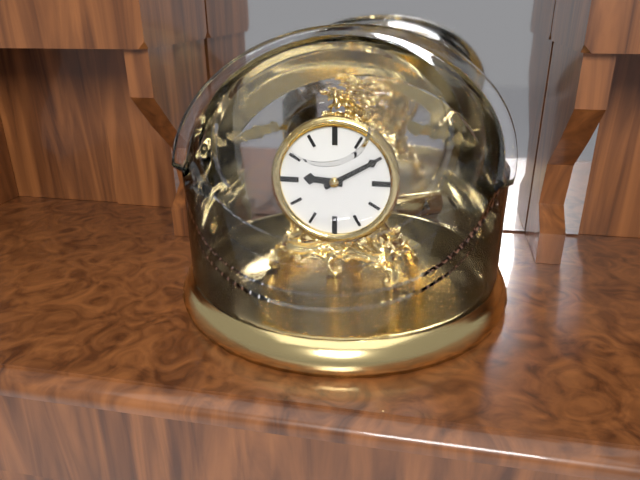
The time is 9:10
